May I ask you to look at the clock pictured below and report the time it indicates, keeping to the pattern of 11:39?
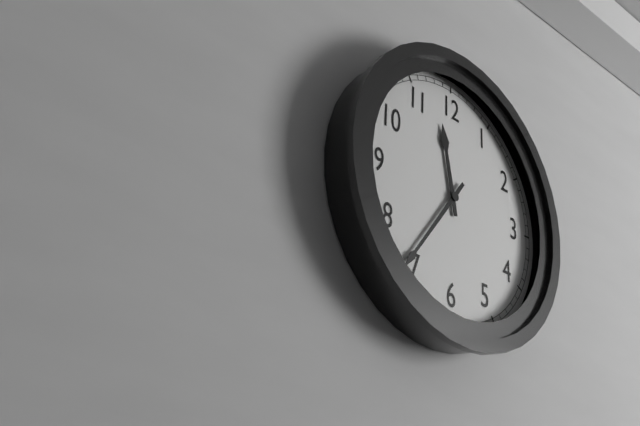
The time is 11:36
